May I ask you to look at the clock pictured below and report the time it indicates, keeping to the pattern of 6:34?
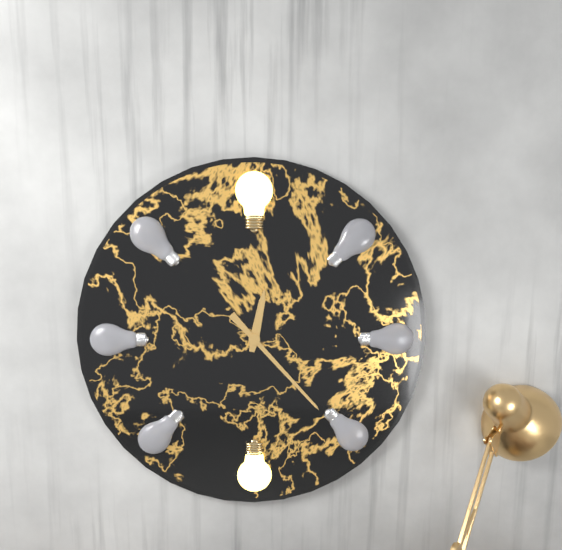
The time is 12:23
